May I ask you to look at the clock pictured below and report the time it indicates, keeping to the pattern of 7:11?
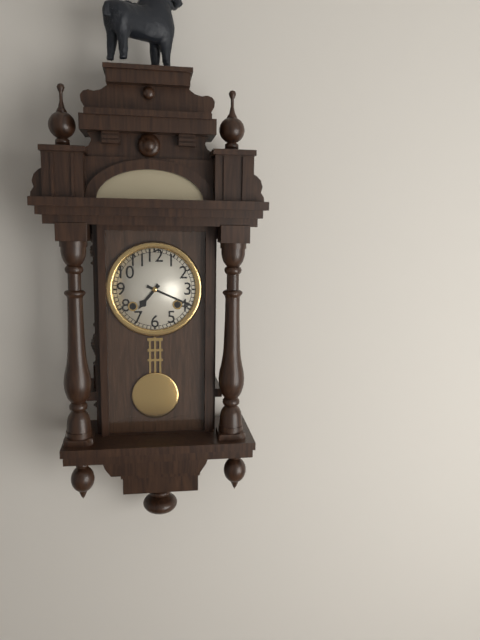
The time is 7:19
